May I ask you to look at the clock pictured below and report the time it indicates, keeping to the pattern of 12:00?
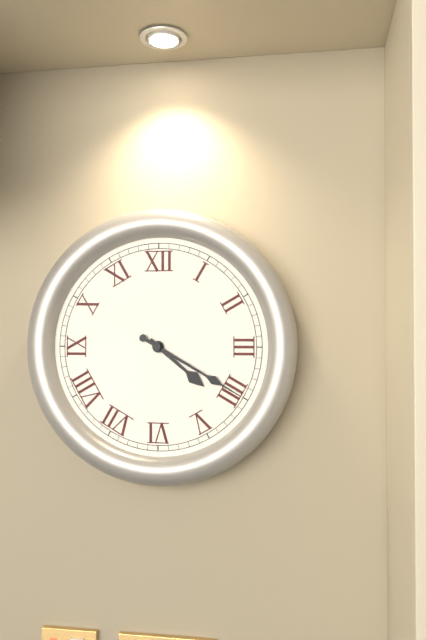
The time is 4:20
